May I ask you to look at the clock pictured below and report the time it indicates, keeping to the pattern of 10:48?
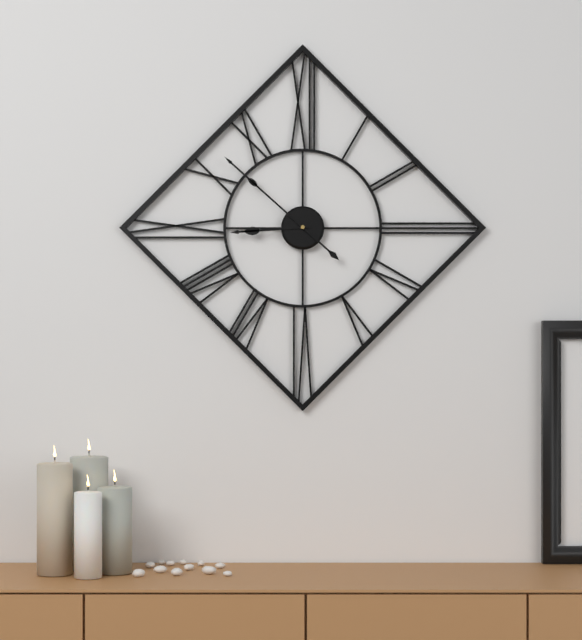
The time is 8:52
